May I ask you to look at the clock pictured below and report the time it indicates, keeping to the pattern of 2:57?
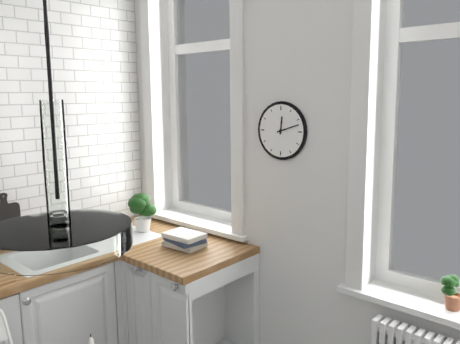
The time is 12:12
